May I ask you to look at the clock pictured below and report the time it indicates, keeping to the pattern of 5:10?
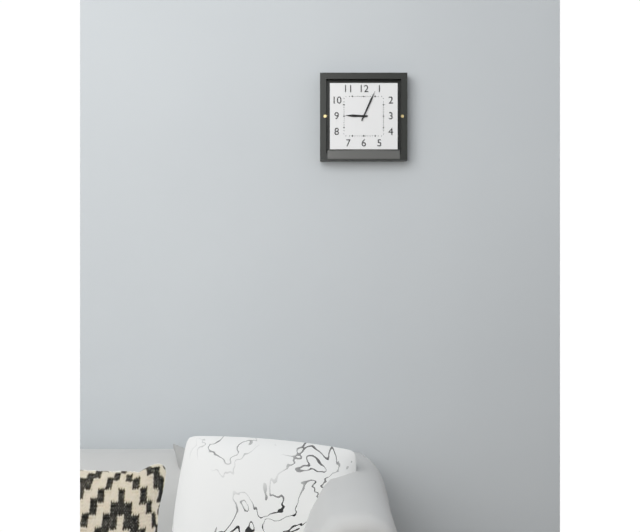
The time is 9:04
